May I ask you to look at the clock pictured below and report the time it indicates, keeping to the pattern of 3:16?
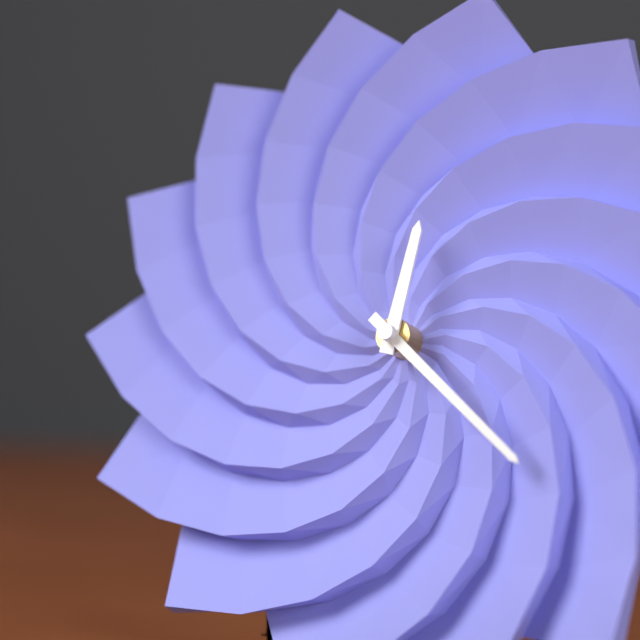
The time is 12:22
